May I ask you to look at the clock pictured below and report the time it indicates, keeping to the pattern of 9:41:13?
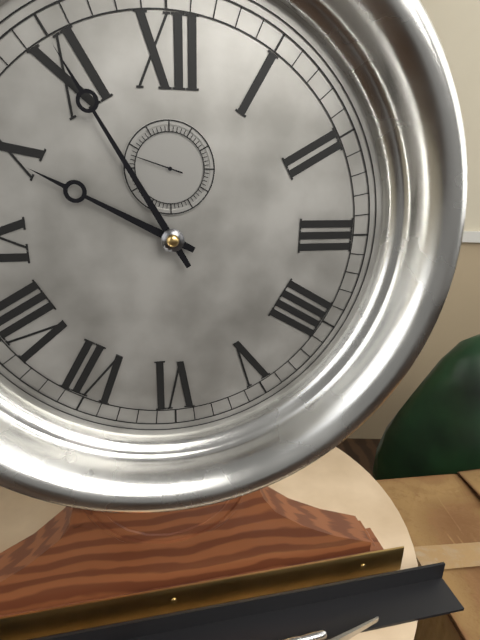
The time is 9:55:48
